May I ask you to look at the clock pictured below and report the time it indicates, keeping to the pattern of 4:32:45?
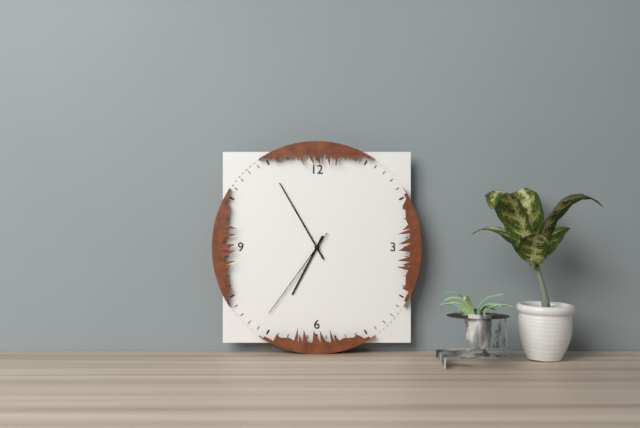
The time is 6:55:36
